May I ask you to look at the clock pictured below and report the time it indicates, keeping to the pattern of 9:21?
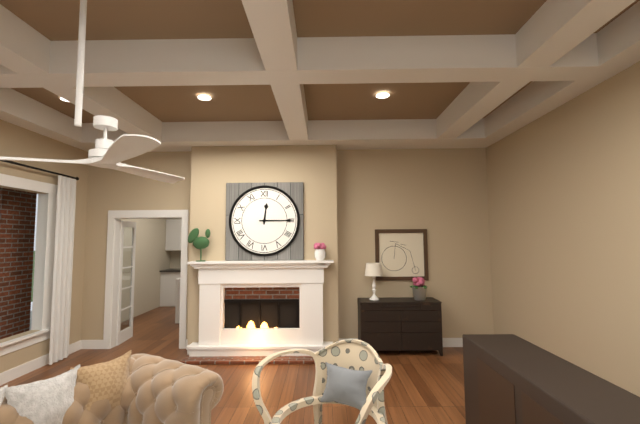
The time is 12:15
